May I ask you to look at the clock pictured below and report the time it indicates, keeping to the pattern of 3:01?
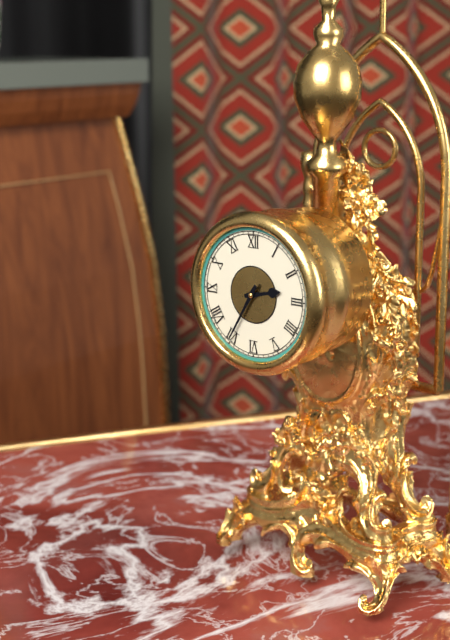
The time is 2:35
